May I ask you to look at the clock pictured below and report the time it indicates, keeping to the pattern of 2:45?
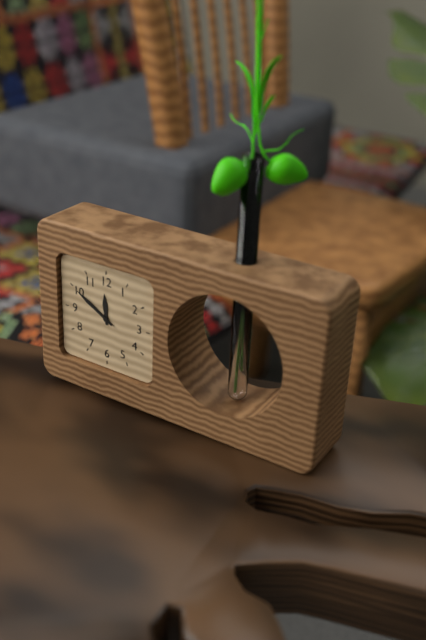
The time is 11:50
